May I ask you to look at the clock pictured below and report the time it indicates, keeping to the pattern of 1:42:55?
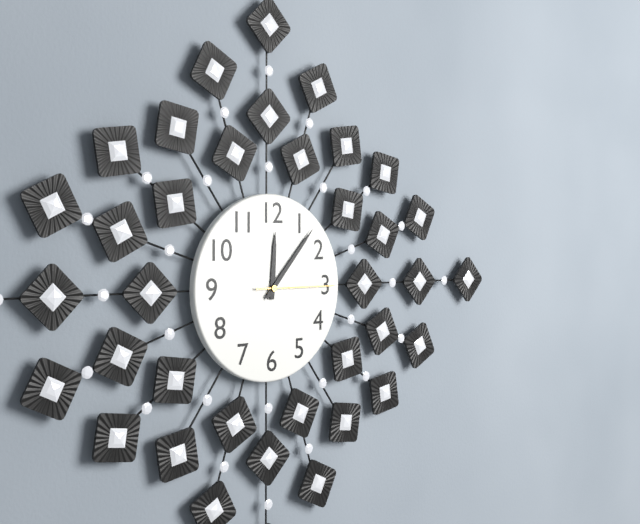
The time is 12:07:15
